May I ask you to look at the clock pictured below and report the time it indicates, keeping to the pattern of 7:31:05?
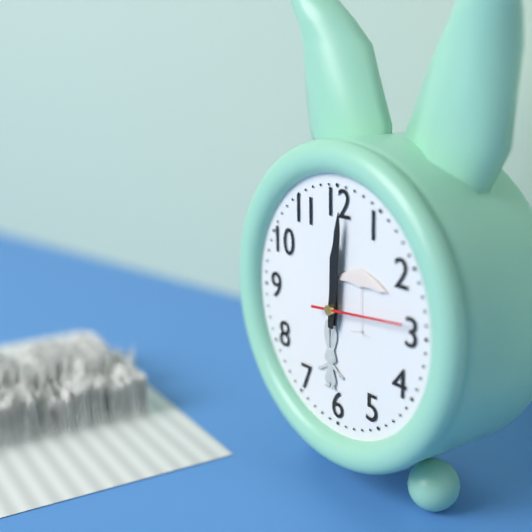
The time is 12:01:14
